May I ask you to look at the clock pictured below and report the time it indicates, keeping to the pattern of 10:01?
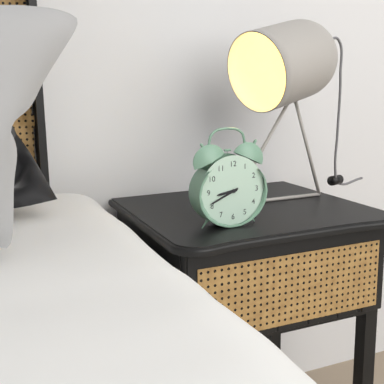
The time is 8:41
